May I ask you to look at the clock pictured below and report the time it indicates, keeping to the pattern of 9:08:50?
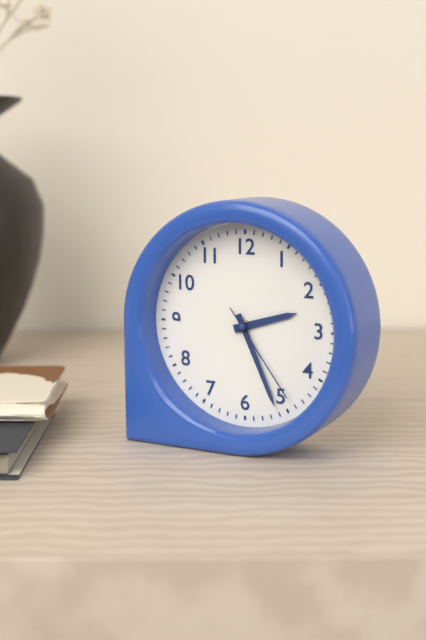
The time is 2:26:24
